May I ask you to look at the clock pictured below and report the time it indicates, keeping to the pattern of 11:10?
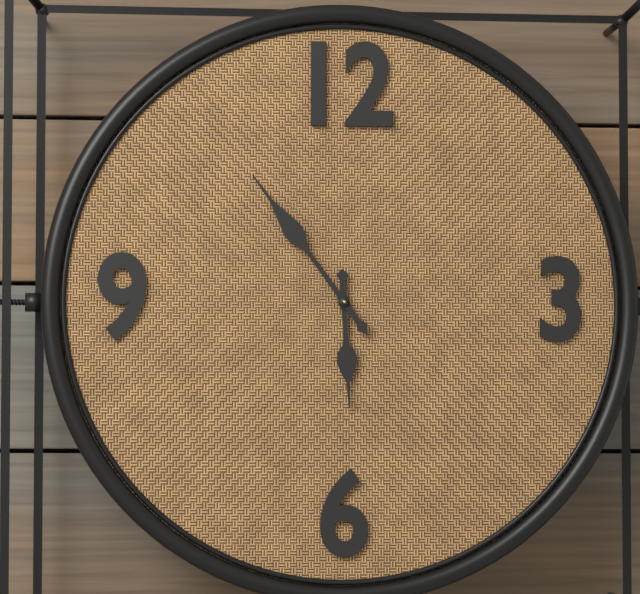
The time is 5:54
